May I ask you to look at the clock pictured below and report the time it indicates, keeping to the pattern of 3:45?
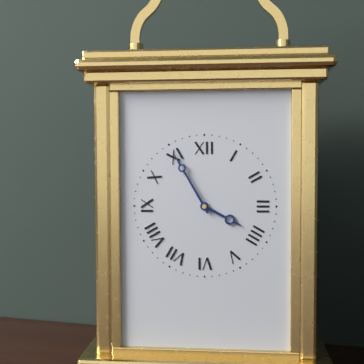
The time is 3:55
